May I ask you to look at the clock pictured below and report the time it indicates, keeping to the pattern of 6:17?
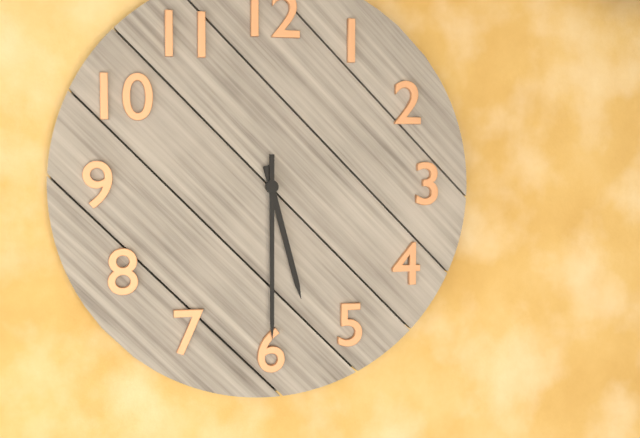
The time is 5:30
